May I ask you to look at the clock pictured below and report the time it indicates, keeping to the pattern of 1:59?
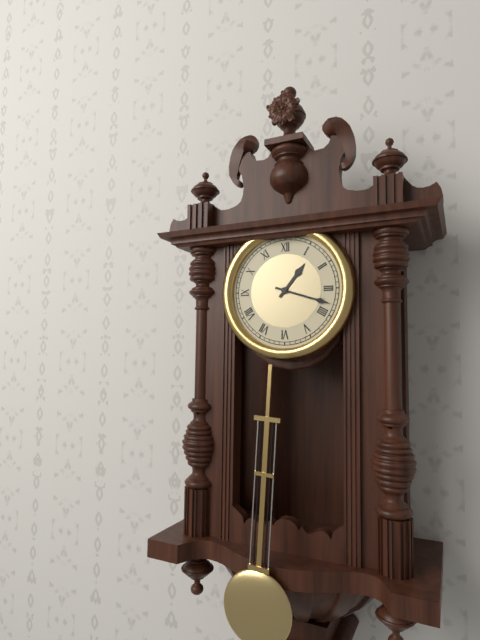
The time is 1:18
